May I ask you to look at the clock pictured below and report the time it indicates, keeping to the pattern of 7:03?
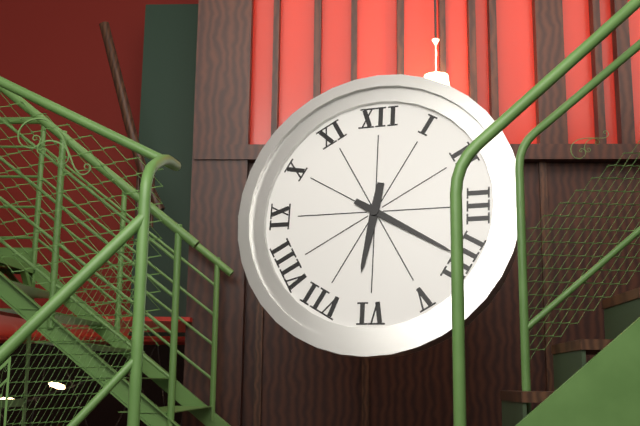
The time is 6:20
